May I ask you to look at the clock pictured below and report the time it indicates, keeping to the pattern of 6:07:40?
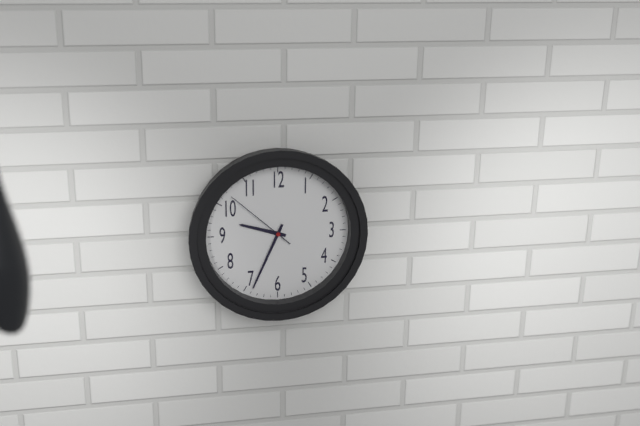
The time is 9:34:52
